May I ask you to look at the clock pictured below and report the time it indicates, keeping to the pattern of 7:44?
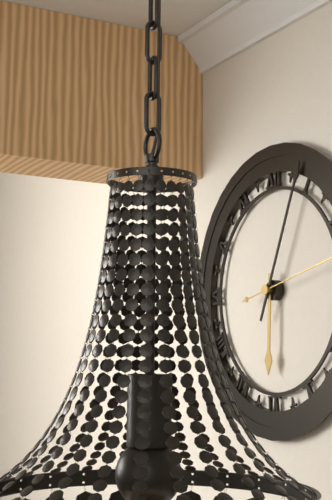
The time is 6:04
